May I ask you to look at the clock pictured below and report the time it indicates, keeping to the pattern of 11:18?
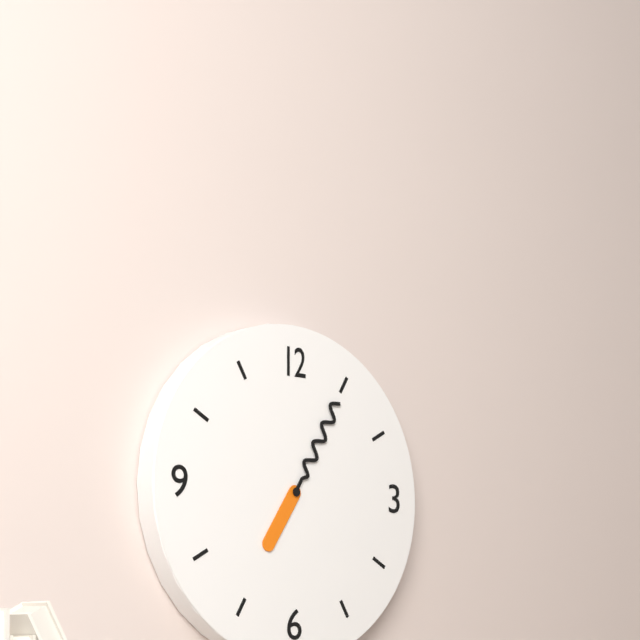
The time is 7:05
